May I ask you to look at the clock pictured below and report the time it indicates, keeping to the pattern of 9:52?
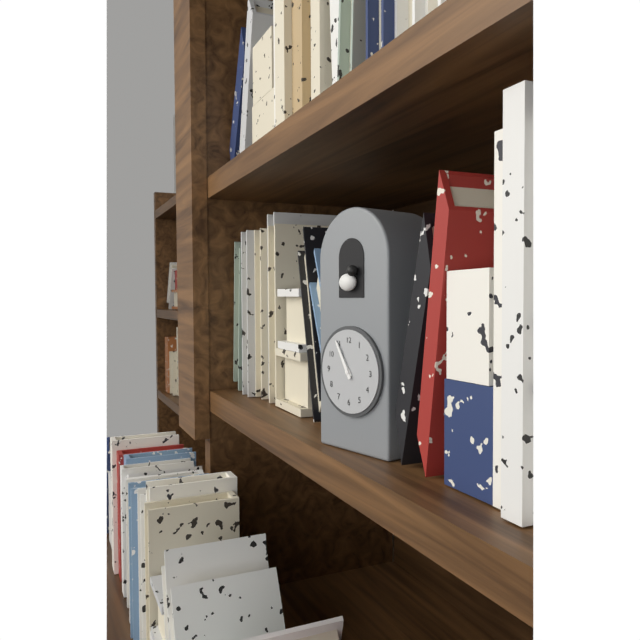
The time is 10:55
